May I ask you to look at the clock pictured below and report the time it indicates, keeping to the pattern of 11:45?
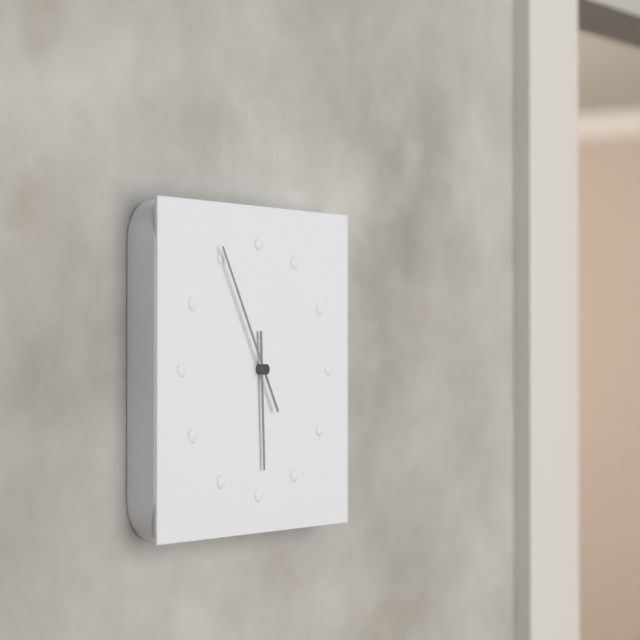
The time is 5:55
